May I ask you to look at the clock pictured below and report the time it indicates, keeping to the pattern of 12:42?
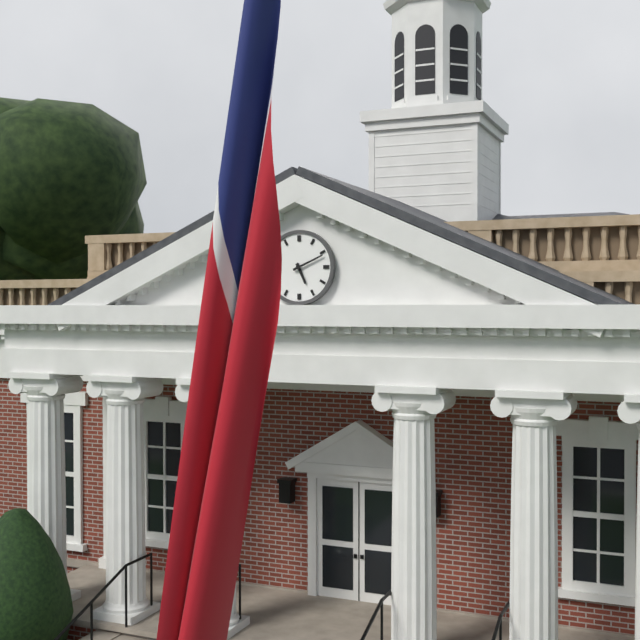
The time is 5:11
